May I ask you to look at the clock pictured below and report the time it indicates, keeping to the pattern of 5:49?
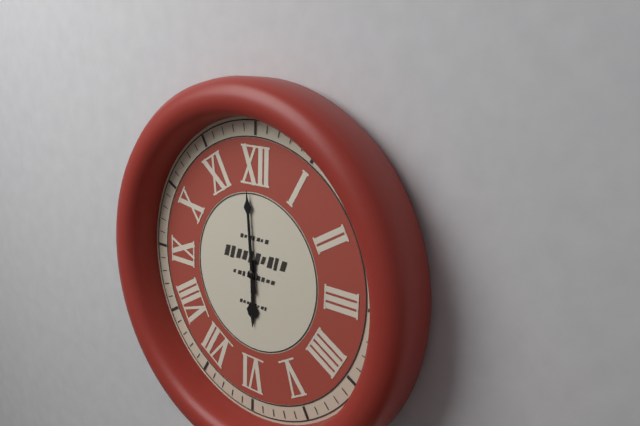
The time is 5:59
